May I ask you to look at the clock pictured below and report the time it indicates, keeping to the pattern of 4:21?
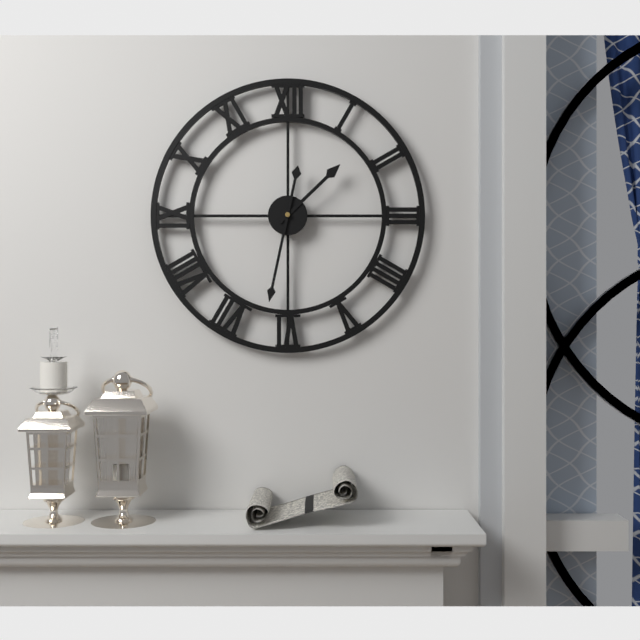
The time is 1:32
